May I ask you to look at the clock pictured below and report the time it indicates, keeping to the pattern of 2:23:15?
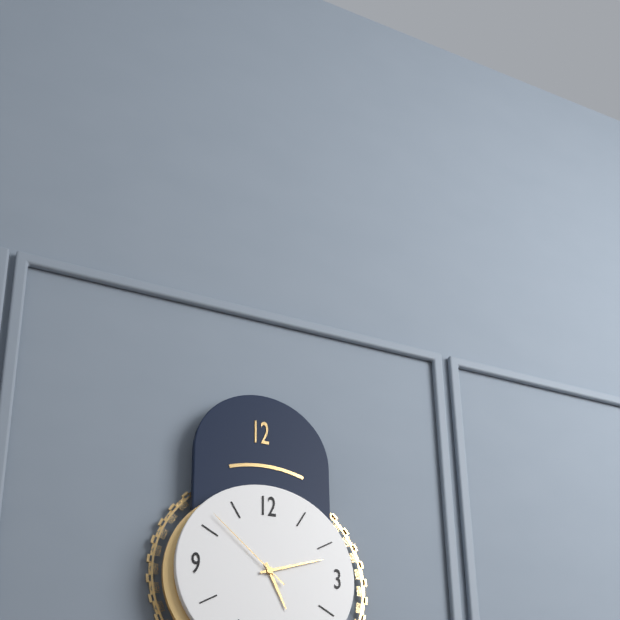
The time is 5:12:52
